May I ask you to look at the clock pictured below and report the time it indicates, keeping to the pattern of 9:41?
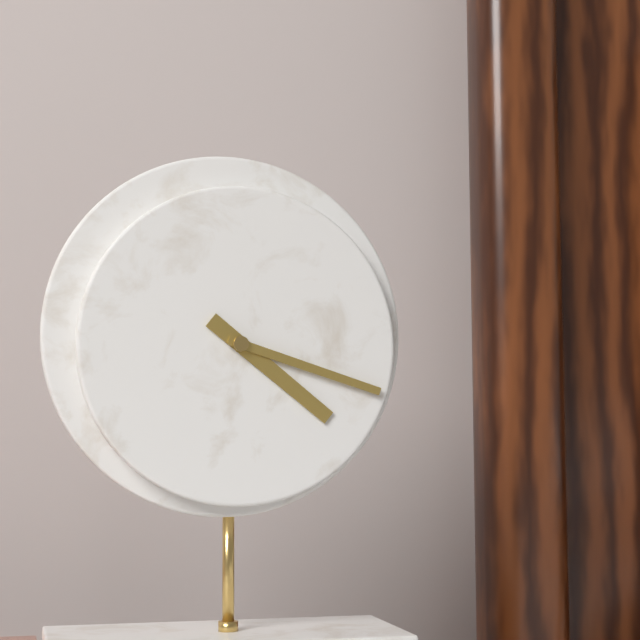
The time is 4:18
